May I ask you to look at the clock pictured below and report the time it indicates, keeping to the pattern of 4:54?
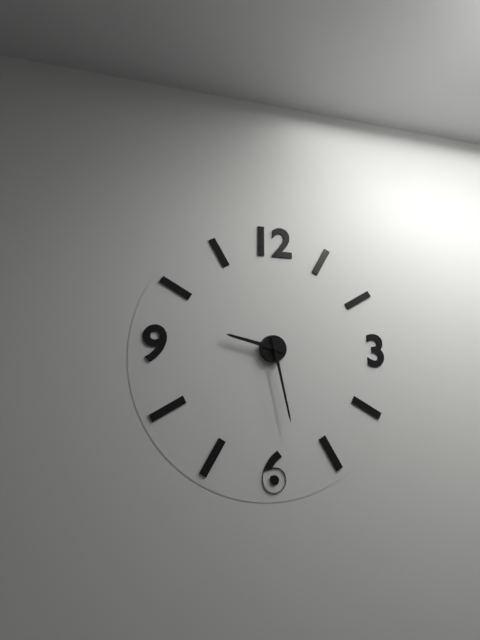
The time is 9:28
